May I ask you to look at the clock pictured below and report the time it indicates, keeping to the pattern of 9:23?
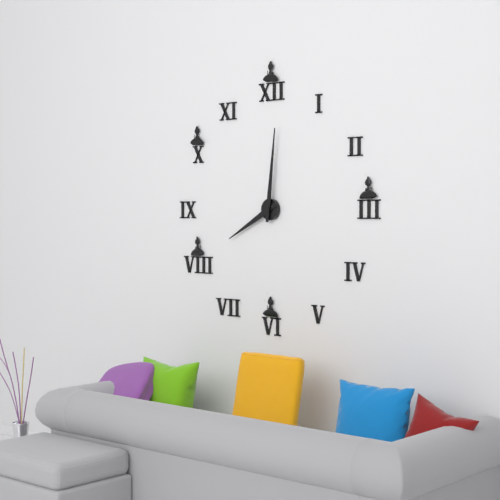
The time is 8:01
